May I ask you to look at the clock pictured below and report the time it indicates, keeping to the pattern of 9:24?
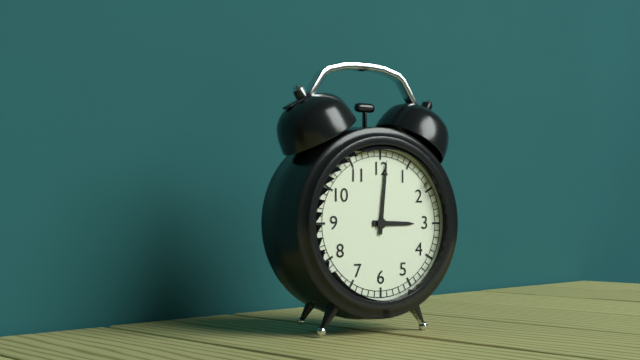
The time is 3:01
